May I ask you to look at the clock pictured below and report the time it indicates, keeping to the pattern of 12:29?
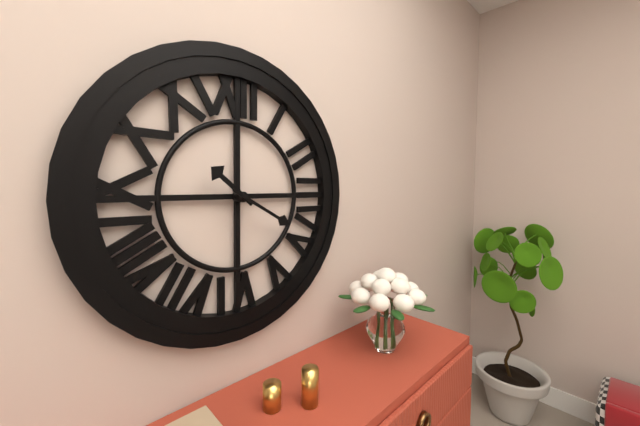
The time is 10:20
